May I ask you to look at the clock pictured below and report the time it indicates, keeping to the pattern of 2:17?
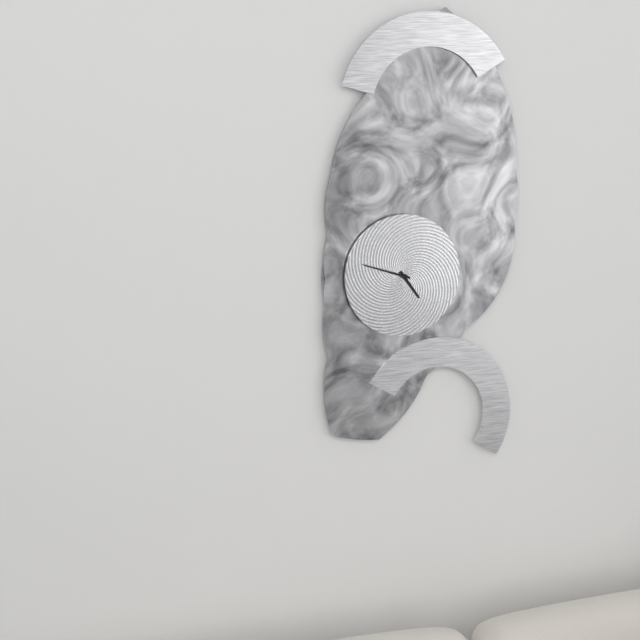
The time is 4:48
